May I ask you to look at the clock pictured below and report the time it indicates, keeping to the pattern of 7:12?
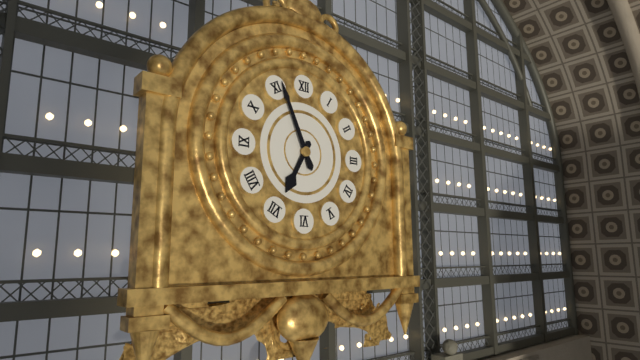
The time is 6:56
